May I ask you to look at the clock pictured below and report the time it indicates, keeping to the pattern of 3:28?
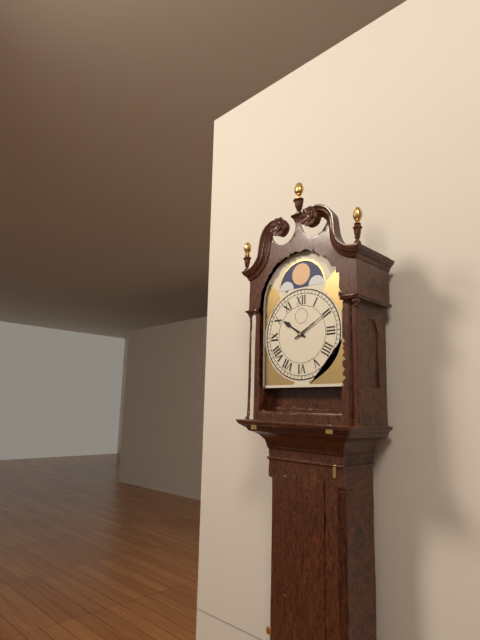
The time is 10:10
